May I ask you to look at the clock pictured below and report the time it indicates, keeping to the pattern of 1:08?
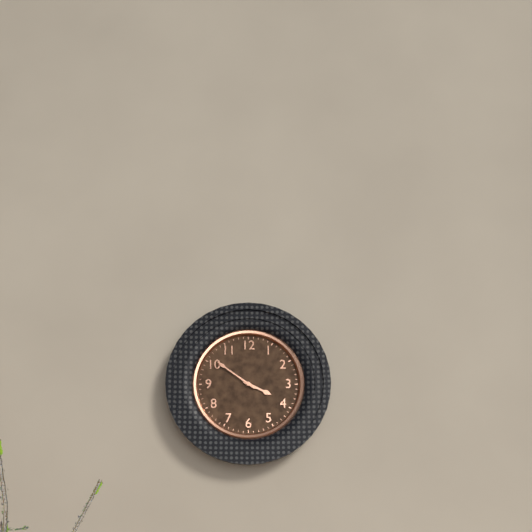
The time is 3:51
